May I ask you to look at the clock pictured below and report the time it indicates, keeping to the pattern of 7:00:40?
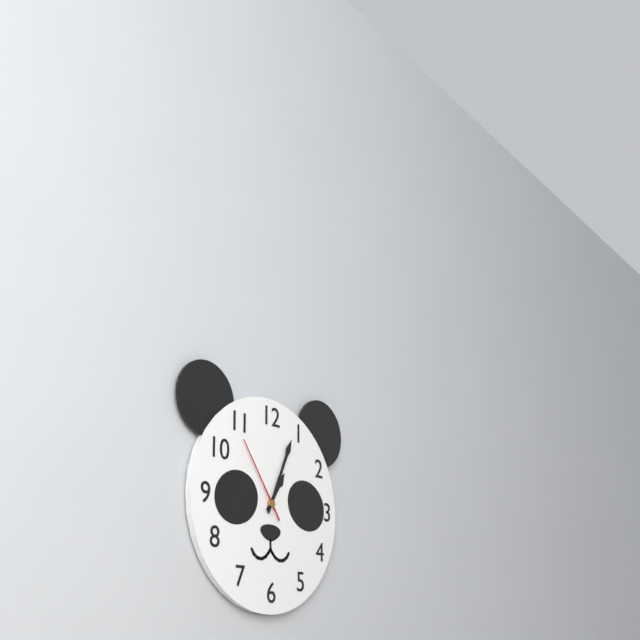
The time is 1:04:54
